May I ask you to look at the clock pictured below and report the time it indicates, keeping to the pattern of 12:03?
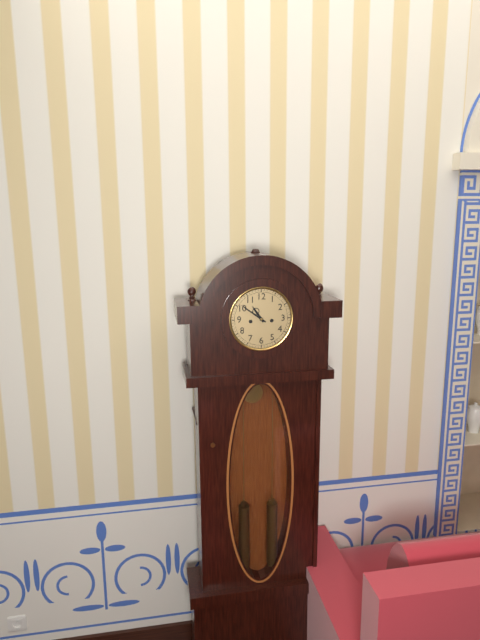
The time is 10:51
